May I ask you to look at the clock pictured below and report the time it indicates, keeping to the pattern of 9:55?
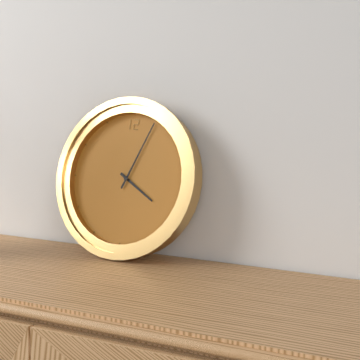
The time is 4:04
